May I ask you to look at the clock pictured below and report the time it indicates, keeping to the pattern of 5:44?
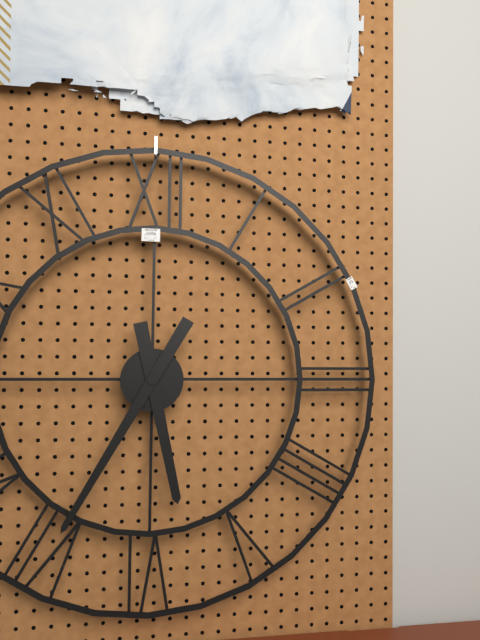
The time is 5:35
